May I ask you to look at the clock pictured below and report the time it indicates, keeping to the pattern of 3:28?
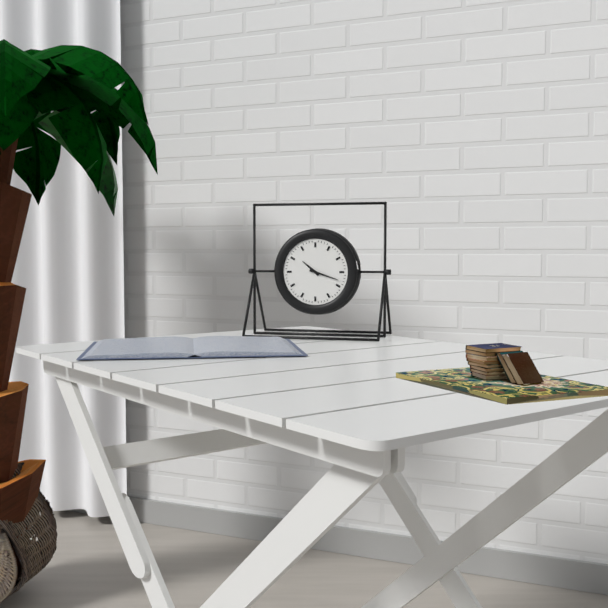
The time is 10:18
